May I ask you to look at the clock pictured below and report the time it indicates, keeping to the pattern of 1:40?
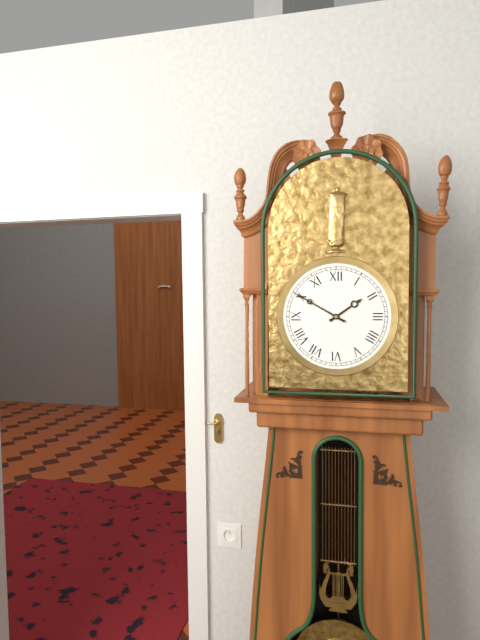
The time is 1:50
